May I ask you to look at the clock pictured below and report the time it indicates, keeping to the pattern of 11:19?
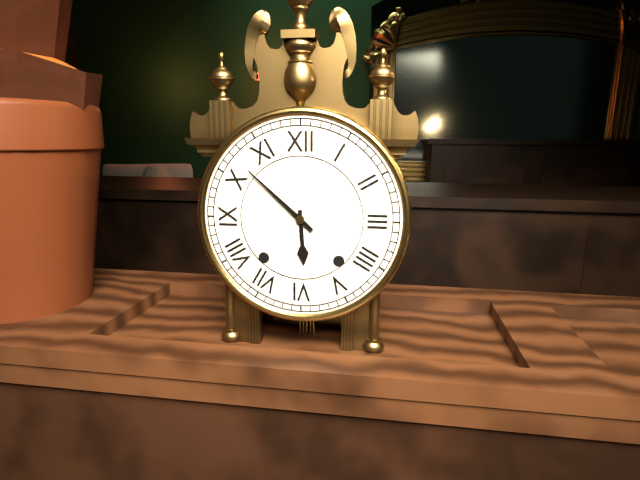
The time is 5:52
